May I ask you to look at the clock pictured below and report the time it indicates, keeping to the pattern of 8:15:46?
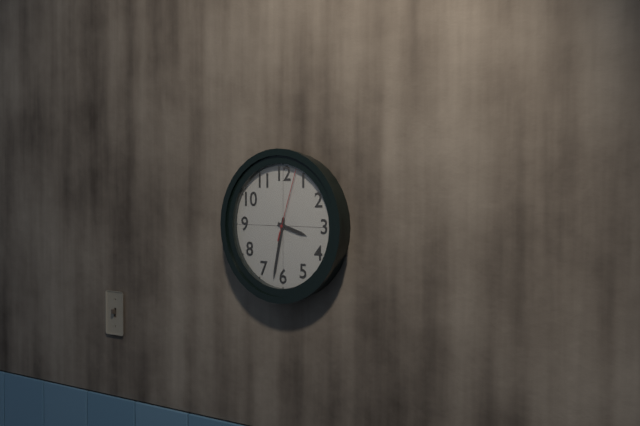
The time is 3:32:03
